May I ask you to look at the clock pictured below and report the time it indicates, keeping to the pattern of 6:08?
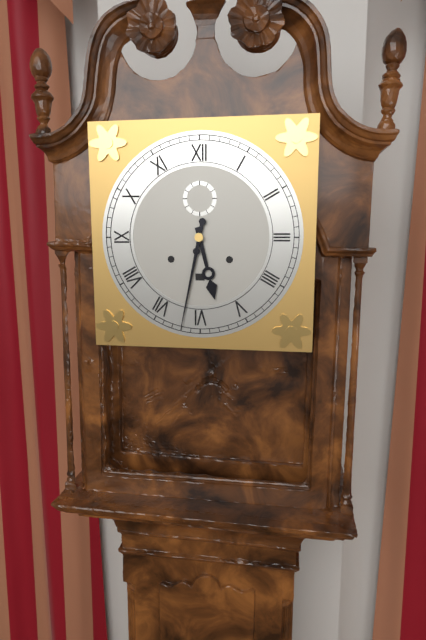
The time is 5:32
